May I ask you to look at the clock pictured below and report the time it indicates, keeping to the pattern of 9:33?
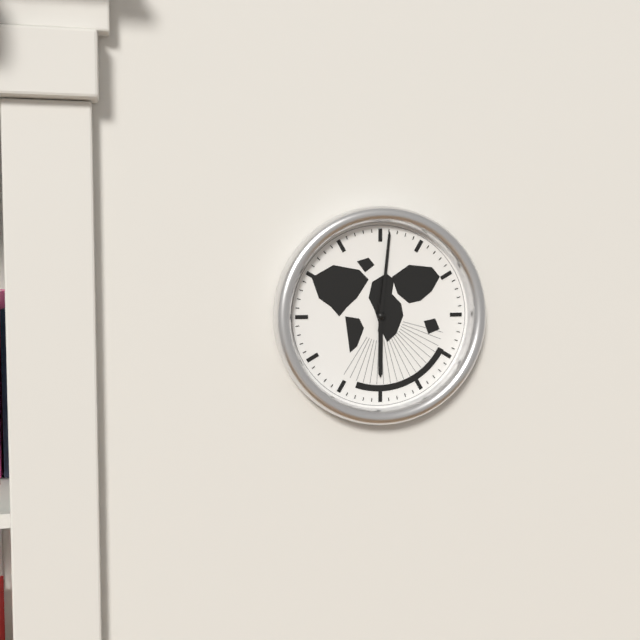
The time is 6:01
